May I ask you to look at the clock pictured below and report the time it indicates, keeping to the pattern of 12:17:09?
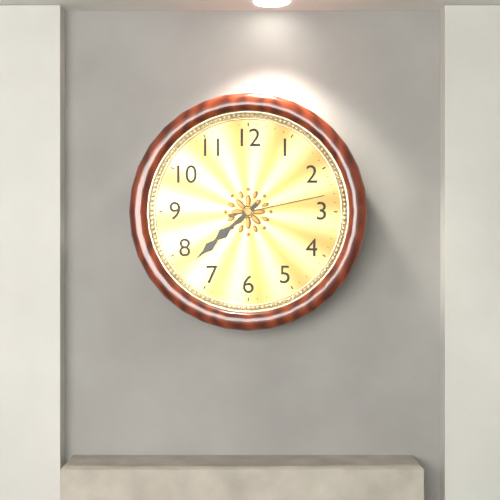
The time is 7:38:13
